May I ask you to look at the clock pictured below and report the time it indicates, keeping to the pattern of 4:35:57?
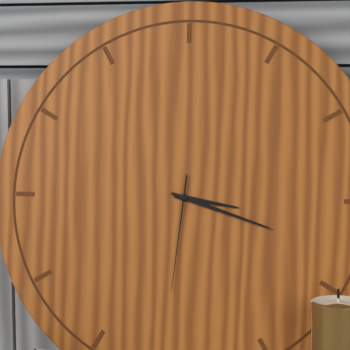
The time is 3:18:31
